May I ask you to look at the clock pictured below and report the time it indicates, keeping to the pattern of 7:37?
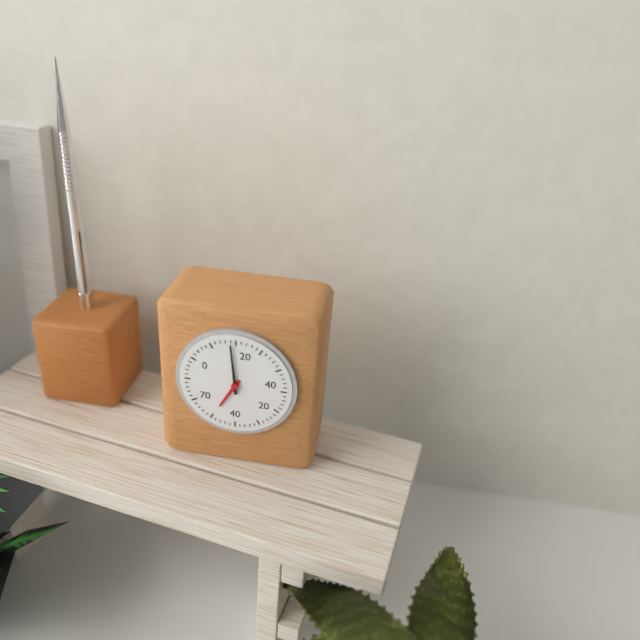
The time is 6:59
